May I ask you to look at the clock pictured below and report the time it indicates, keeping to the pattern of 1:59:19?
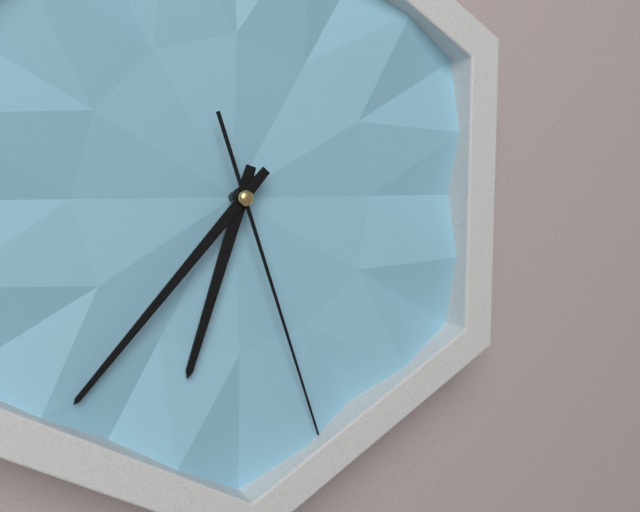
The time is 6:37:27
